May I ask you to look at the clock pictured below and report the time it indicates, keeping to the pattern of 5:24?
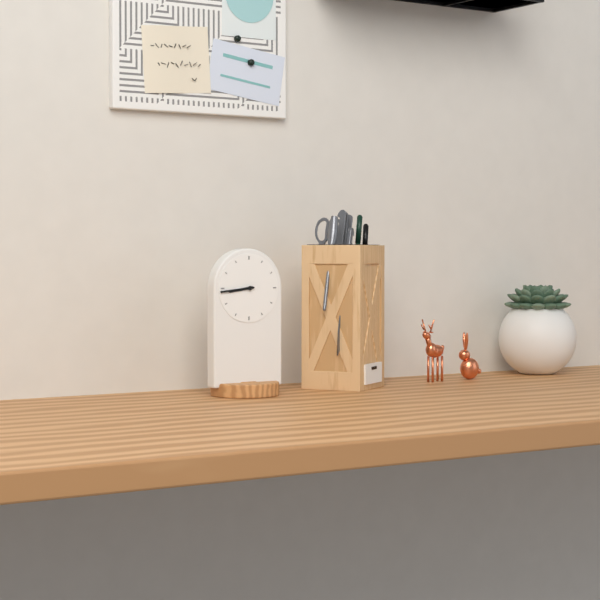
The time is 8:44
